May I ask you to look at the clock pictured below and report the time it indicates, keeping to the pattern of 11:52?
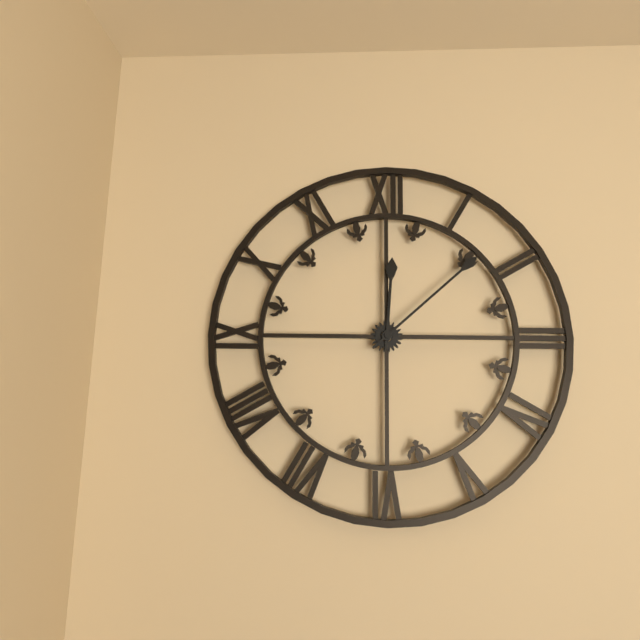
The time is 12:08
